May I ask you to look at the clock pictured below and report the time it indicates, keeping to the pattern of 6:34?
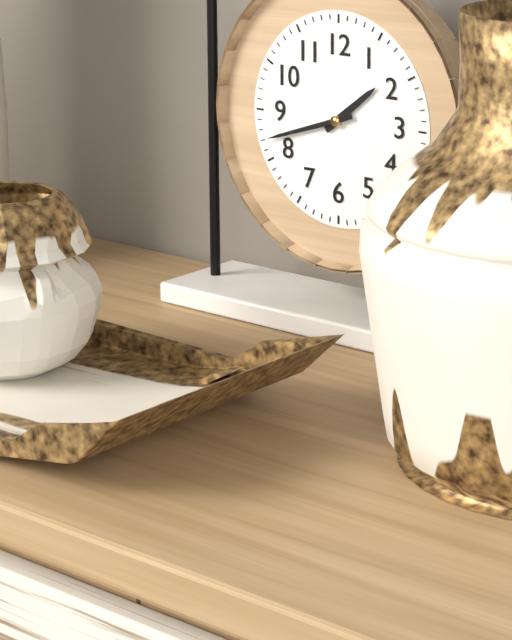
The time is 1:42
